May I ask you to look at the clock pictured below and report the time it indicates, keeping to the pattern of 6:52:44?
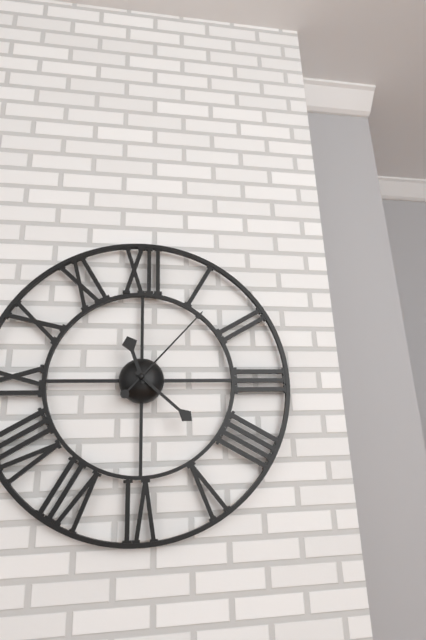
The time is 11:22:07
